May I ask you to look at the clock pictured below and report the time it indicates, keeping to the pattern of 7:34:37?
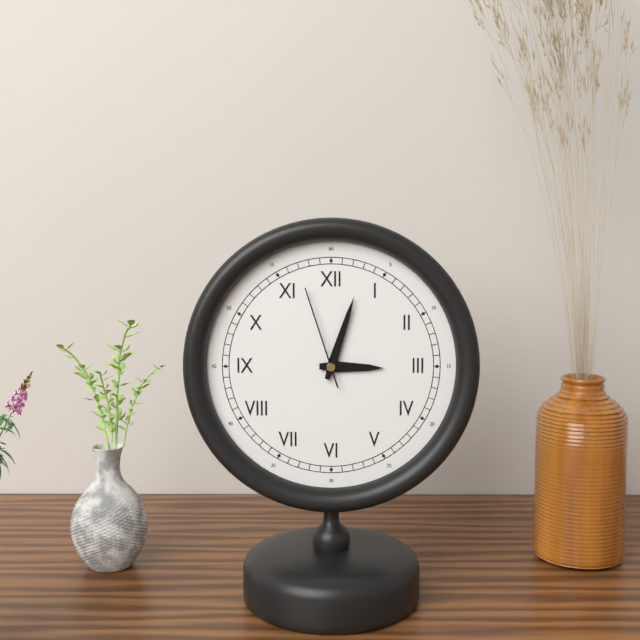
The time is 3:03:57
